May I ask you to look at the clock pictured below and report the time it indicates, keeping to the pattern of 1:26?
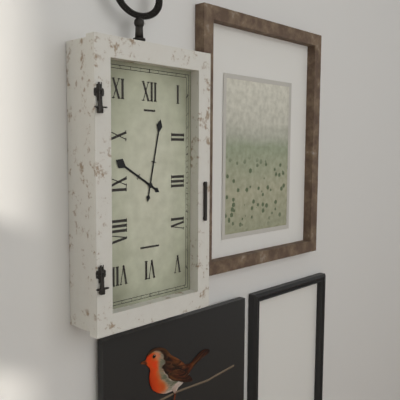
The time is 10:02
